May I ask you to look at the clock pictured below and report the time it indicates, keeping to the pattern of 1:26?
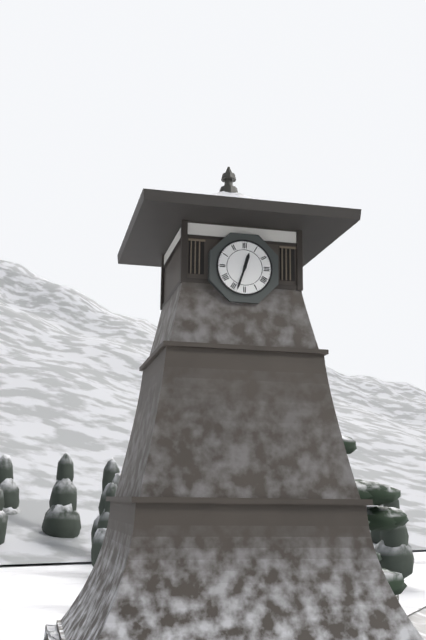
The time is 12:33
